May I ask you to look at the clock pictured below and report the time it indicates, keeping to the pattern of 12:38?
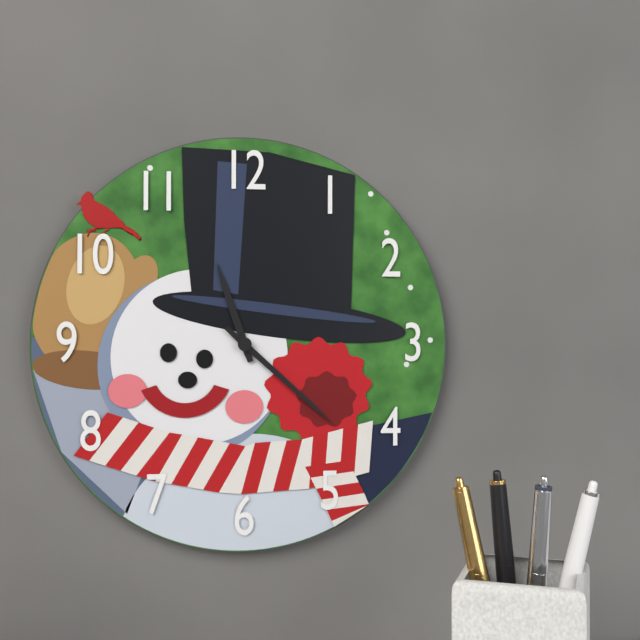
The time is 11:22
